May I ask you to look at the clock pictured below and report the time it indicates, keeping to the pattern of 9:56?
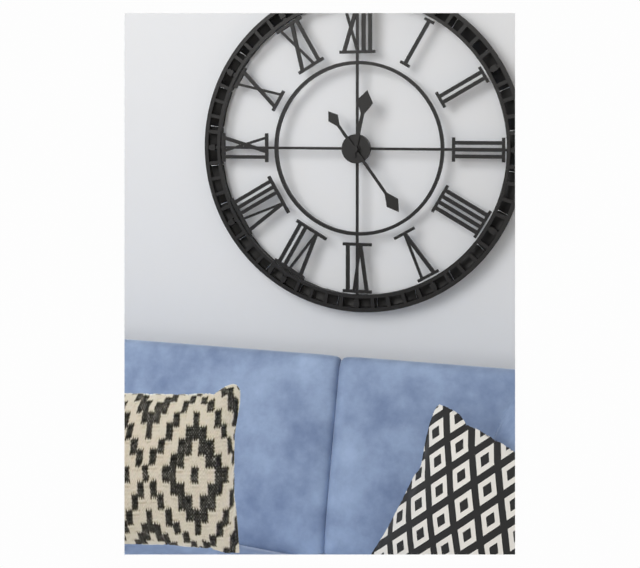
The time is 12:24
